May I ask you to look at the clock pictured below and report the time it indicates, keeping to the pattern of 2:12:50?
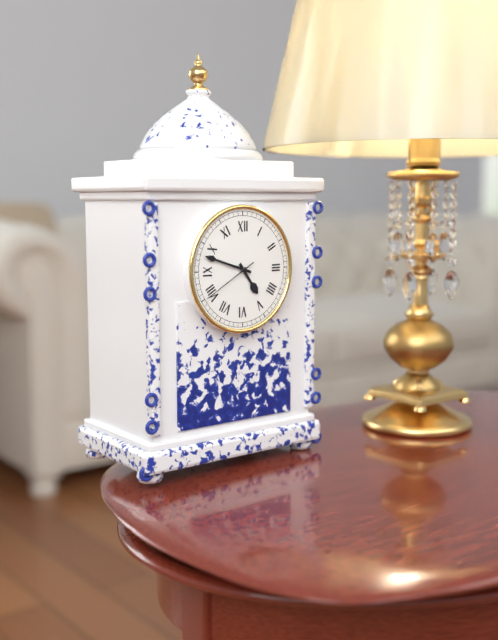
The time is 4:48:40
